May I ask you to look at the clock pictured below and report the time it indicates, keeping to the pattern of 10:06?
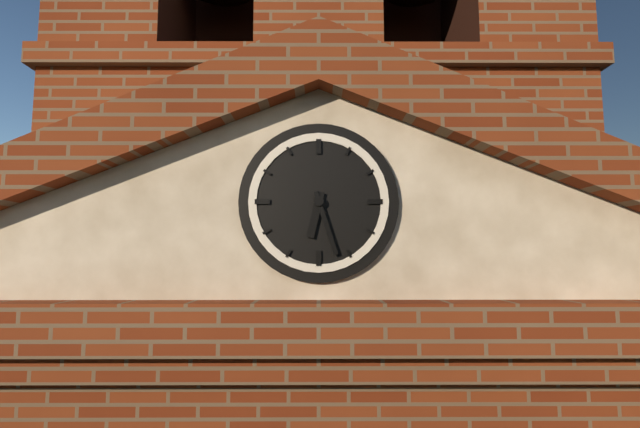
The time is 6:27
